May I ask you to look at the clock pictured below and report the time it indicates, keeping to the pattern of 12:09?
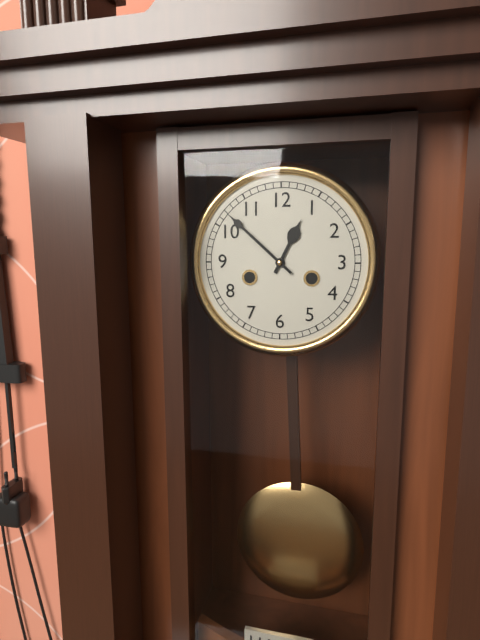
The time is 12:52
